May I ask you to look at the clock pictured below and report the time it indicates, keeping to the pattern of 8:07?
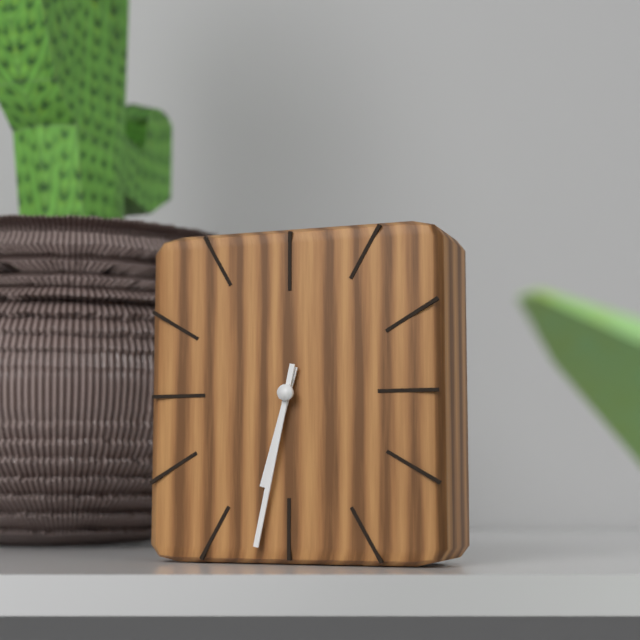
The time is 6:32
